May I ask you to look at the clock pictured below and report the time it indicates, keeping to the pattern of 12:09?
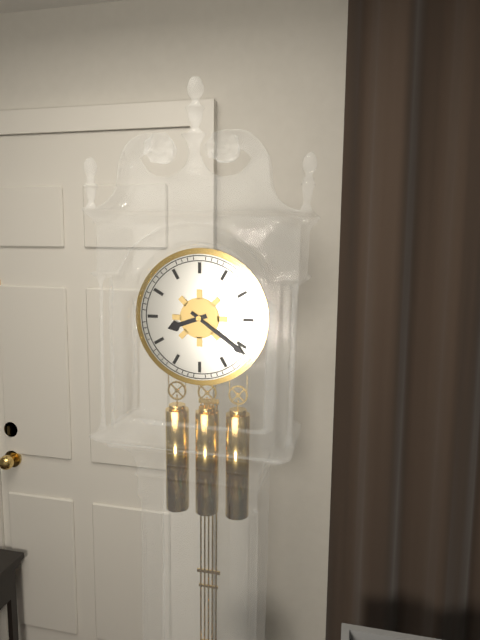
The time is 8:21
